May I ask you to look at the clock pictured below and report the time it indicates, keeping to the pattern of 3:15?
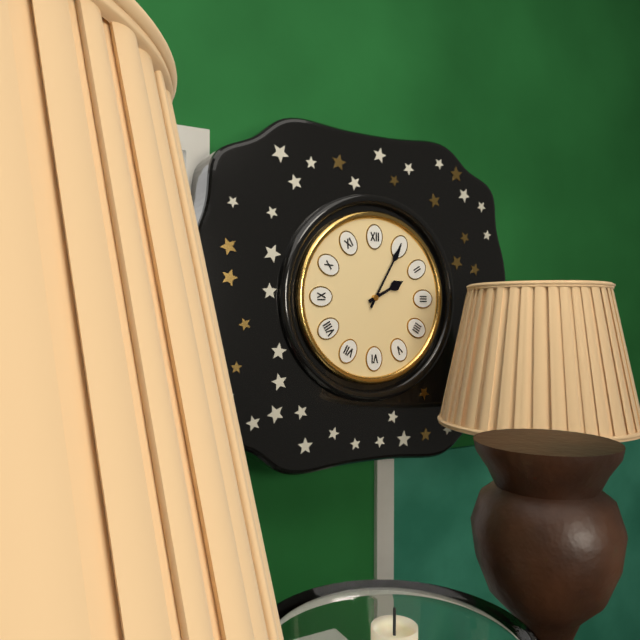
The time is 2:05
